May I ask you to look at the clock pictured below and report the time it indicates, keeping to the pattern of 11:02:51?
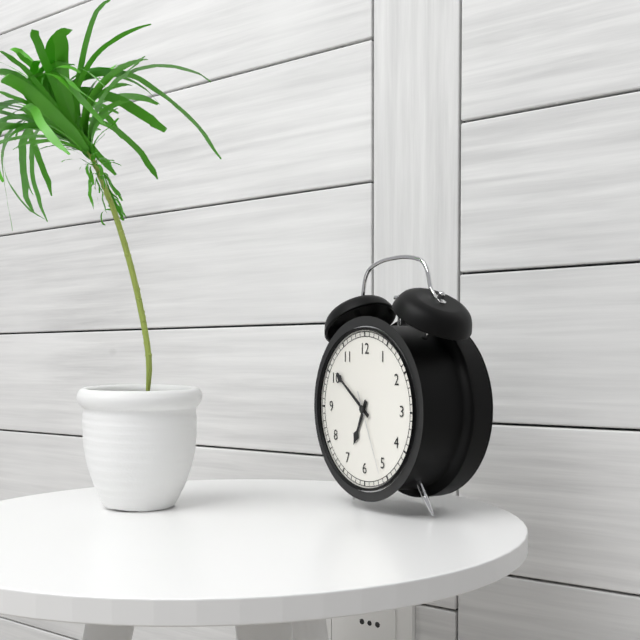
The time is 6:51:26
